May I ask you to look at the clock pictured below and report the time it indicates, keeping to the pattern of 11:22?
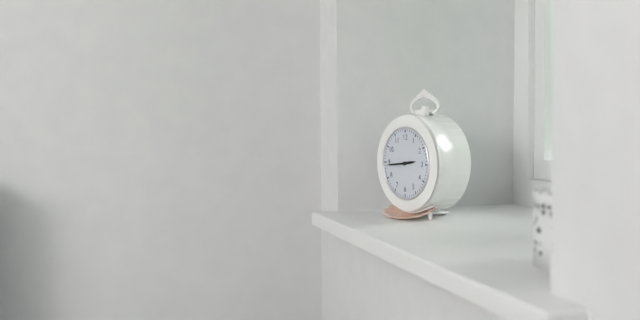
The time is 2:44
